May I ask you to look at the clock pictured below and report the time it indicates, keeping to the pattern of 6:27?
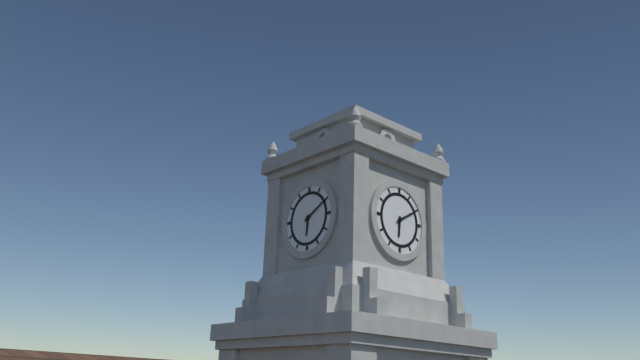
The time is 6:10
